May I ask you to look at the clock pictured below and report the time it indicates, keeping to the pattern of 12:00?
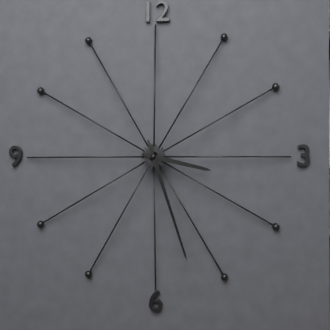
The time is 3:27
